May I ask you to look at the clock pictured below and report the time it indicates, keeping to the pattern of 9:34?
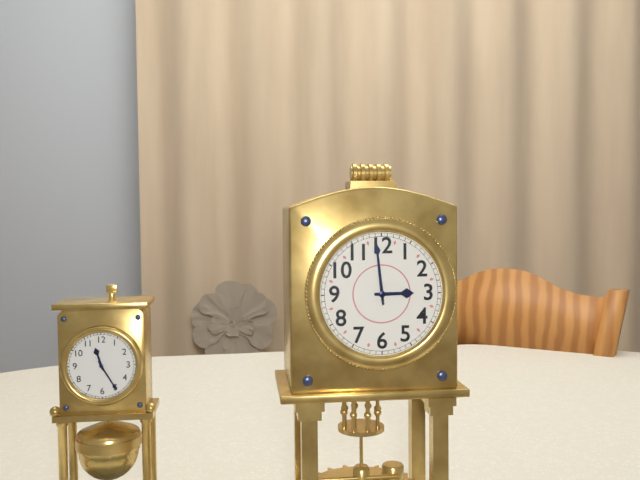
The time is 2:59
